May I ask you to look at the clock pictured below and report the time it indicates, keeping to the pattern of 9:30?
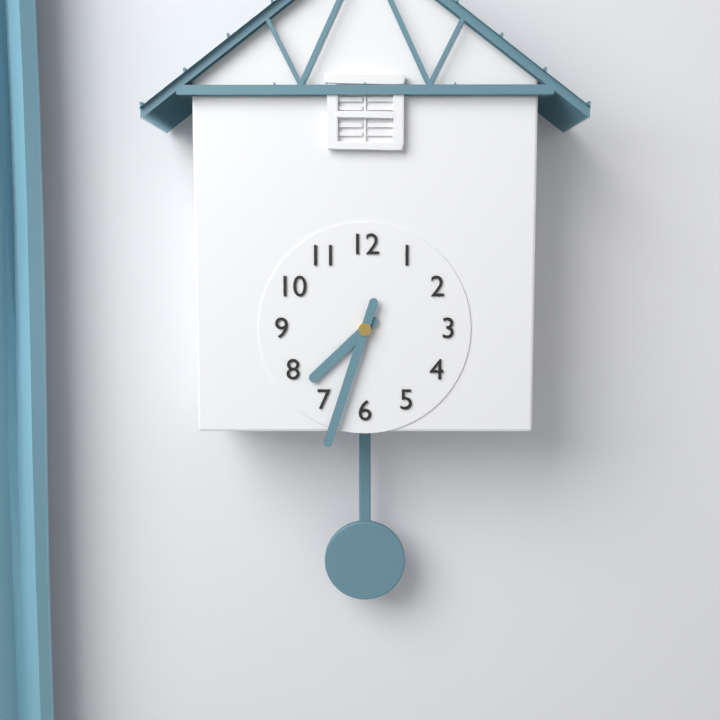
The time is 7:33
